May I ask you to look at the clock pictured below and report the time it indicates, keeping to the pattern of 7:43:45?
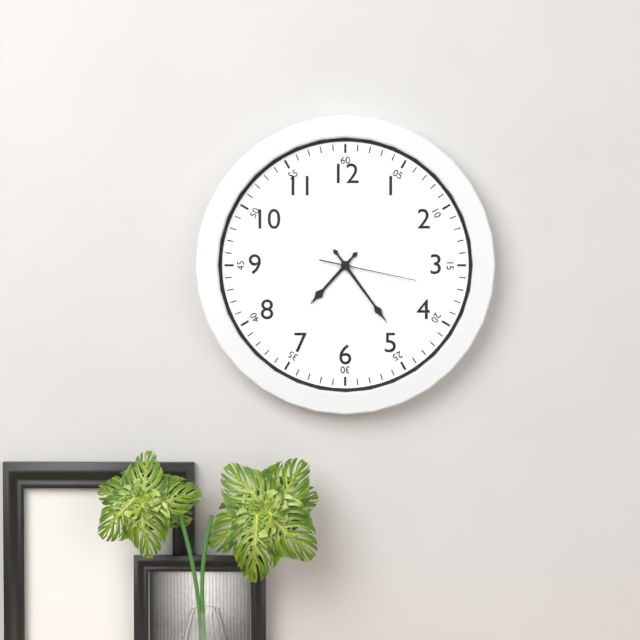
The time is 7:24:17
